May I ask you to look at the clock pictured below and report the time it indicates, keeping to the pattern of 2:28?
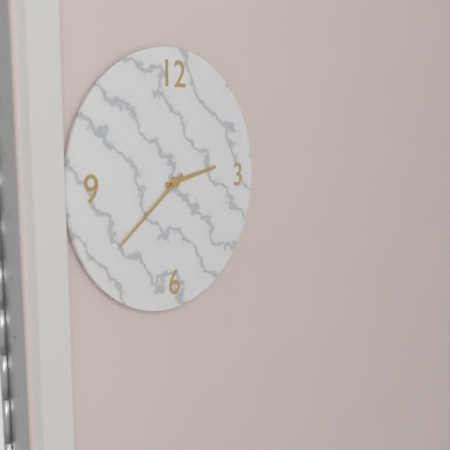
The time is 2:39
